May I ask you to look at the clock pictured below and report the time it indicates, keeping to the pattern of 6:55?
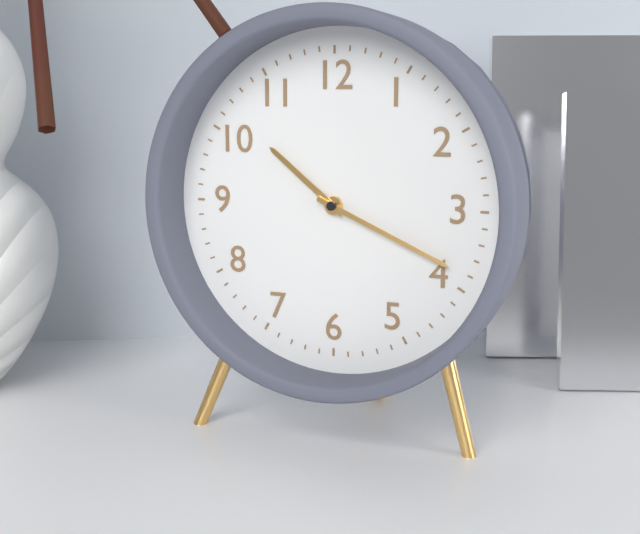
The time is 10:19
